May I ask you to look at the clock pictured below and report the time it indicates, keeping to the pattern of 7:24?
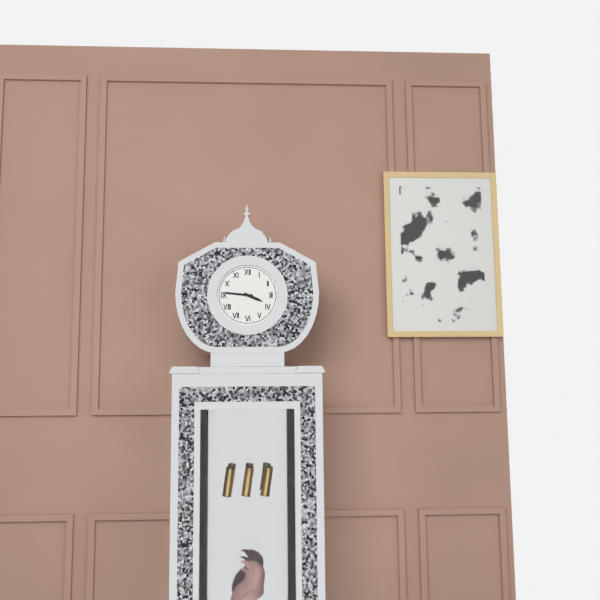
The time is 3:46
